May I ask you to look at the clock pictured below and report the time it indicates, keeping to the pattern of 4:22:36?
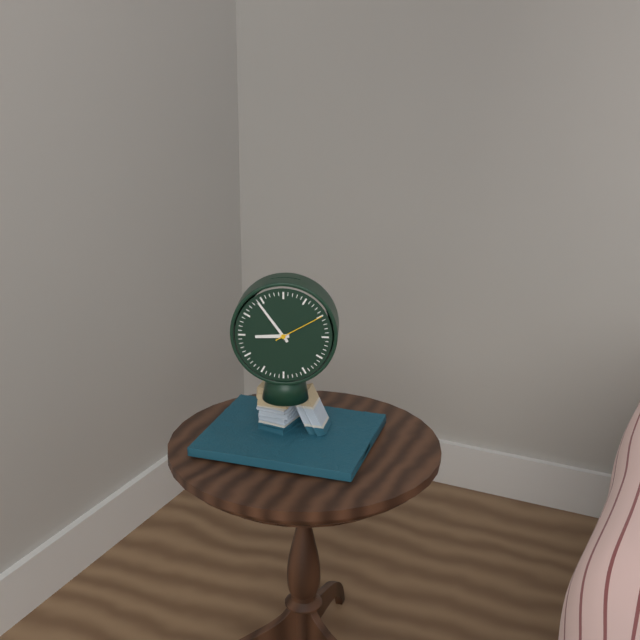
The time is 8:54:10
